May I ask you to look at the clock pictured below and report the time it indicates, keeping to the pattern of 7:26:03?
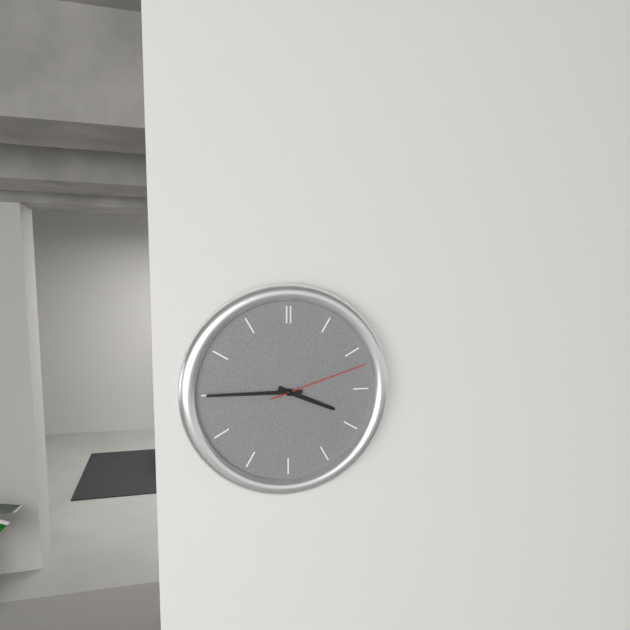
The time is 3:45:12
